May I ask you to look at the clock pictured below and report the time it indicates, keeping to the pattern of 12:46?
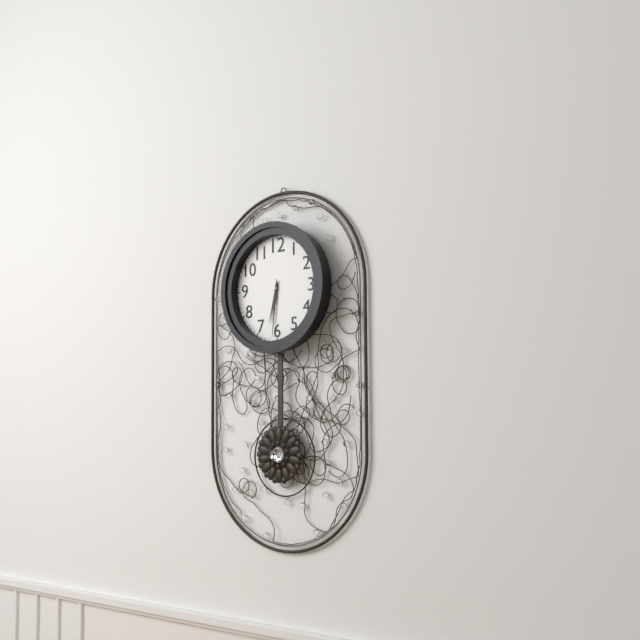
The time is 6:31
